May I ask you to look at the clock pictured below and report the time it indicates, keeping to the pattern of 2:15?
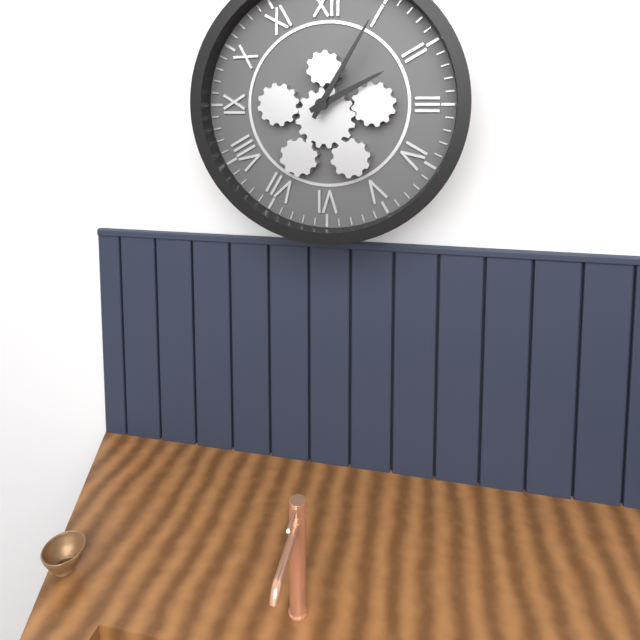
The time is 2:05
